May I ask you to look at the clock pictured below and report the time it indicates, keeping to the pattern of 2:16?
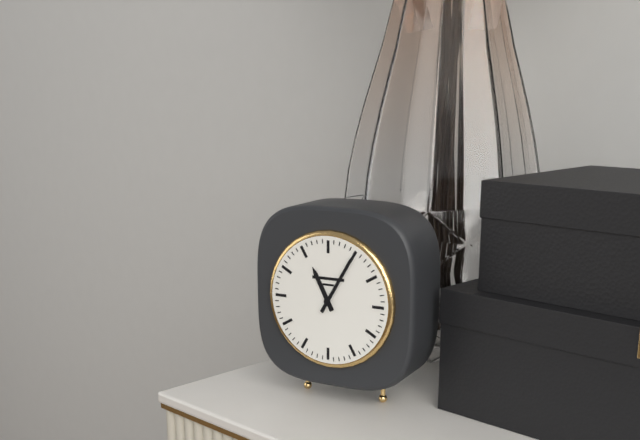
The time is 11:05
